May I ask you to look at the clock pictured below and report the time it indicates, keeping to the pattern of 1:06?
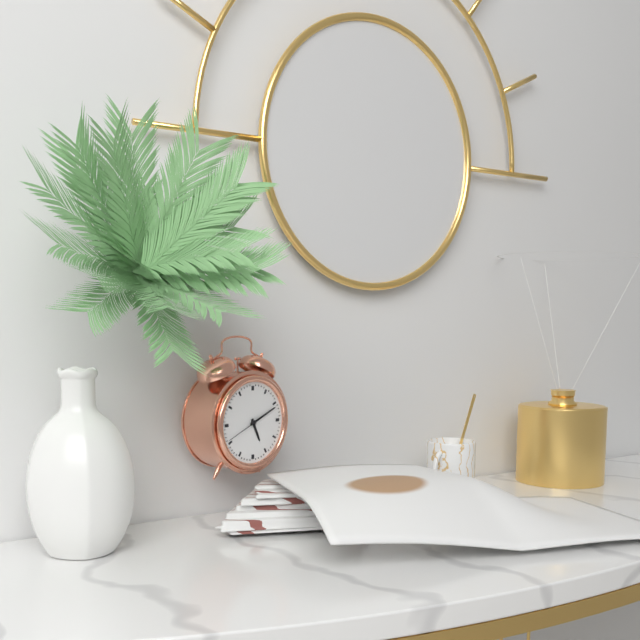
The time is 5:11
